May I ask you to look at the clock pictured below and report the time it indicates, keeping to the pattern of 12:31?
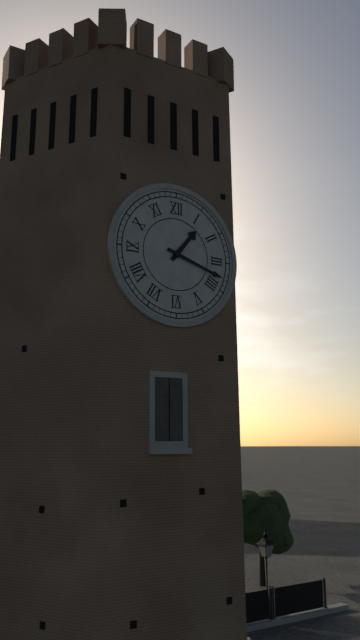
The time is 1:18
